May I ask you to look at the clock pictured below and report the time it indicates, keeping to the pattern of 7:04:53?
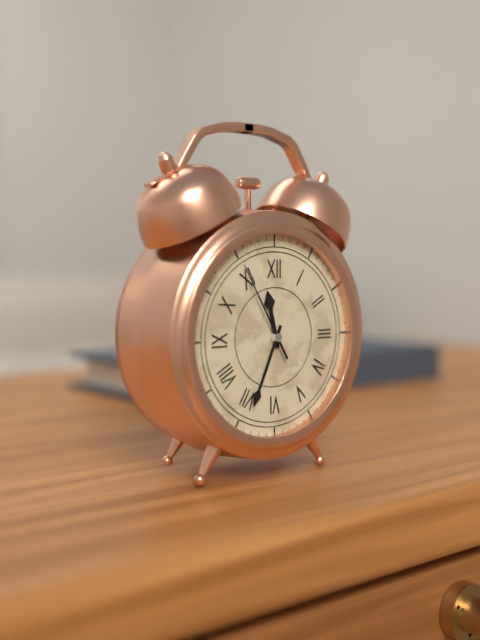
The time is 11:34:55
